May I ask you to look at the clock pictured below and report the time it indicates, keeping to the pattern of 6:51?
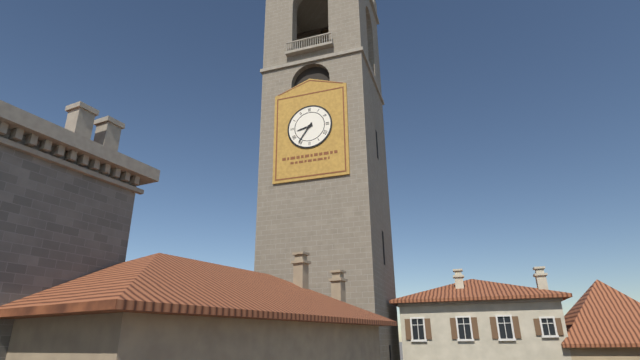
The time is 8:36
